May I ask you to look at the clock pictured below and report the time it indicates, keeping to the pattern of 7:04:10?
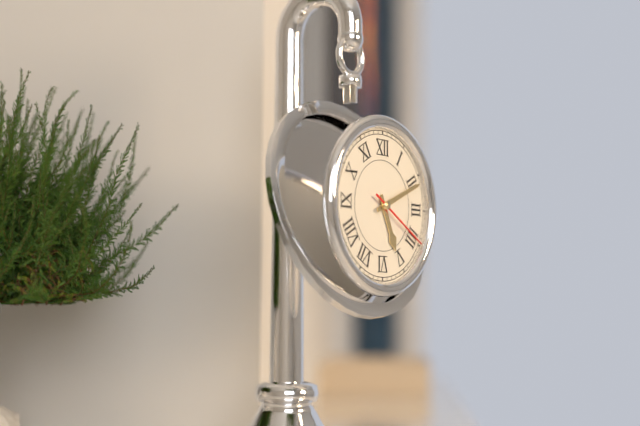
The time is 5:11:20
